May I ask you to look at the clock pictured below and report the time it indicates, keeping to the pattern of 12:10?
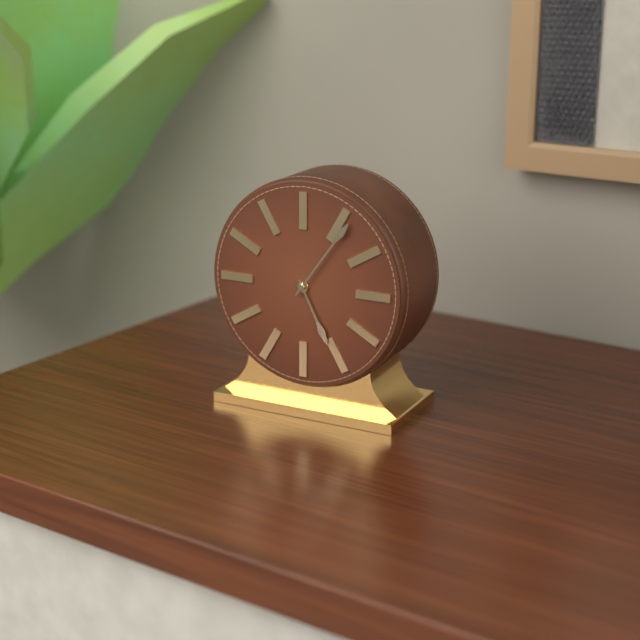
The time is 5:06
